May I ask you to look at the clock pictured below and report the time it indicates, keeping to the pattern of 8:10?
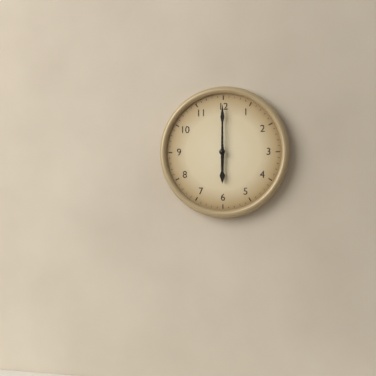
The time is 6:00
